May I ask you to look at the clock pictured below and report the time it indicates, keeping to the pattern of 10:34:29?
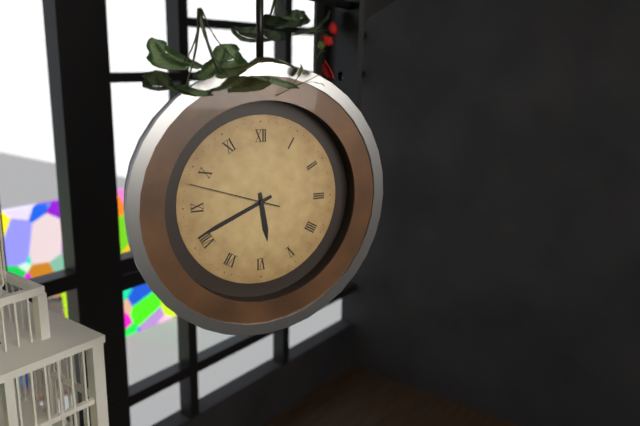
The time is 5:41:48
